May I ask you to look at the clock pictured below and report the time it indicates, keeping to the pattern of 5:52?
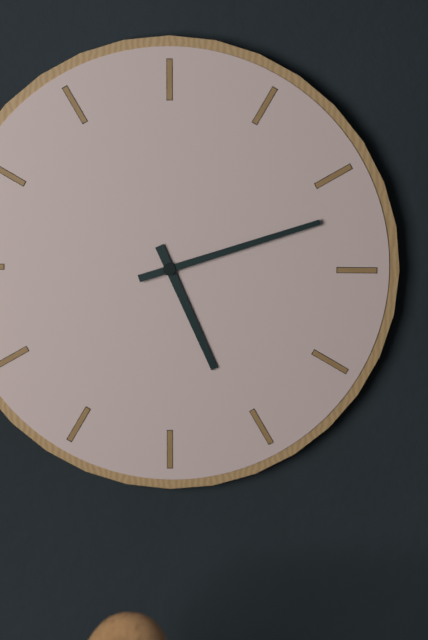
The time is 5:12
